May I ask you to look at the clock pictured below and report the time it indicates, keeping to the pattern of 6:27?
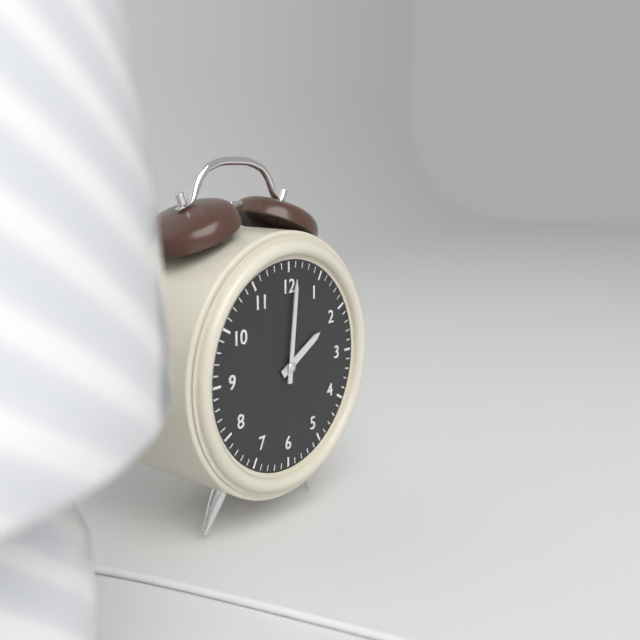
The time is 2:01
